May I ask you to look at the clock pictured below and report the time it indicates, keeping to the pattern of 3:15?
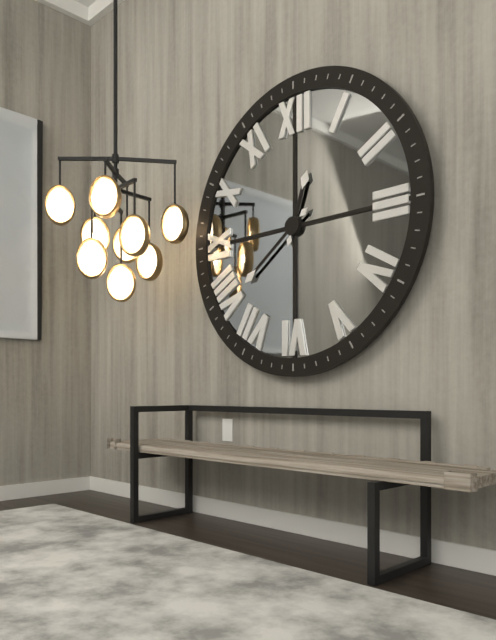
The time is 12:39
